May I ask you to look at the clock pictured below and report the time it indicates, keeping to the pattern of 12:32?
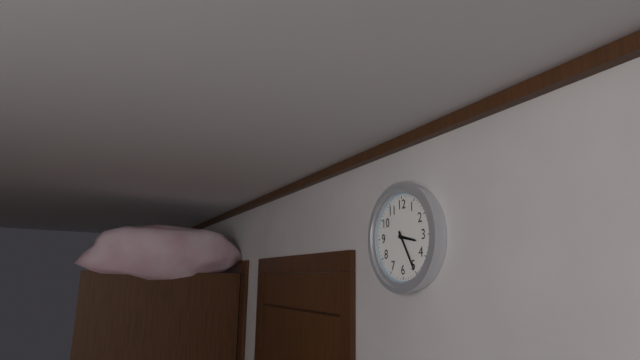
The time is 3:25
